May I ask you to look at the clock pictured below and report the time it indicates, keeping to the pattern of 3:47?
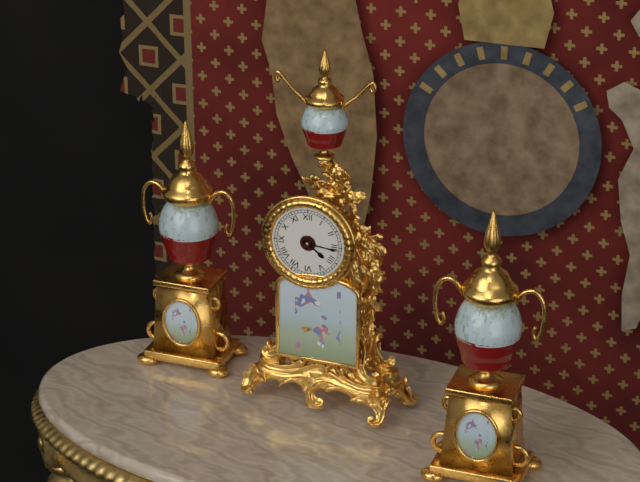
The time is 4:16
